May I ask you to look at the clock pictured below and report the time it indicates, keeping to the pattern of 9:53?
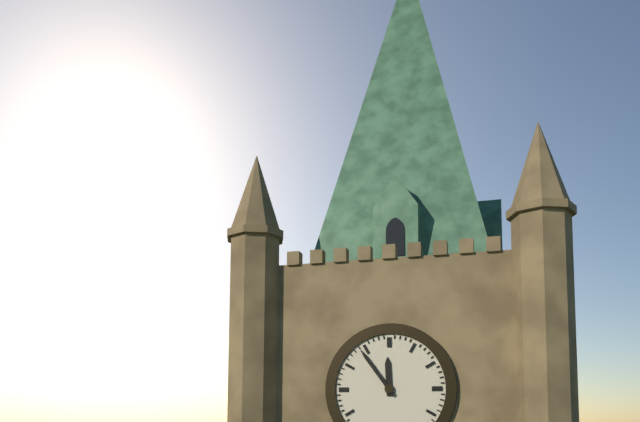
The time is 11:54
